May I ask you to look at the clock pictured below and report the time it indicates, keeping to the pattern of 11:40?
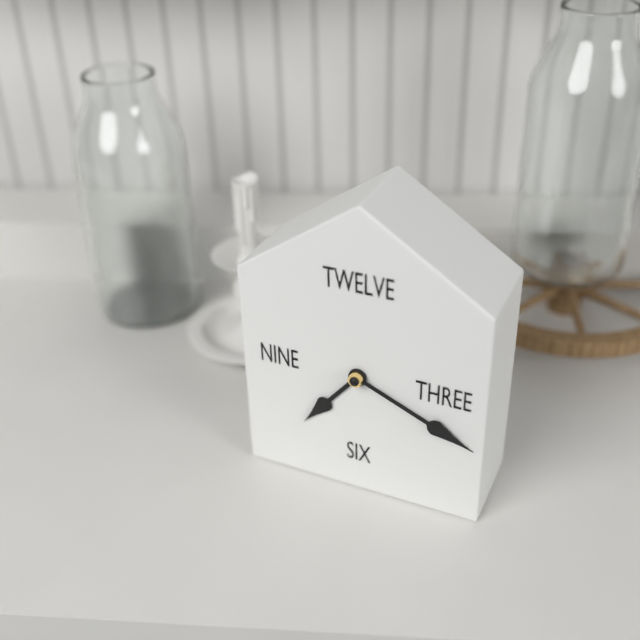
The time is 7:19
